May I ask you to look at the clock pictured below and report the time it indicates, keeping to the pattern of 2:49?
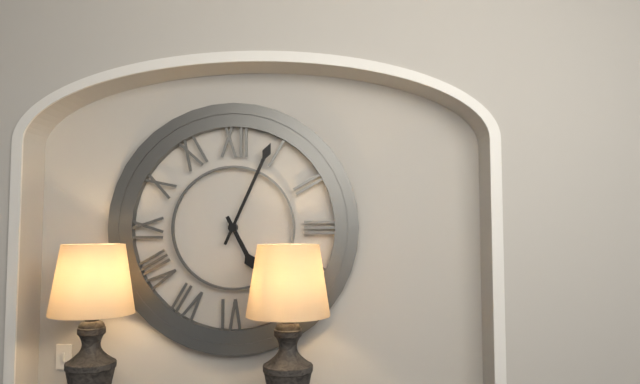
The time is 5:04
